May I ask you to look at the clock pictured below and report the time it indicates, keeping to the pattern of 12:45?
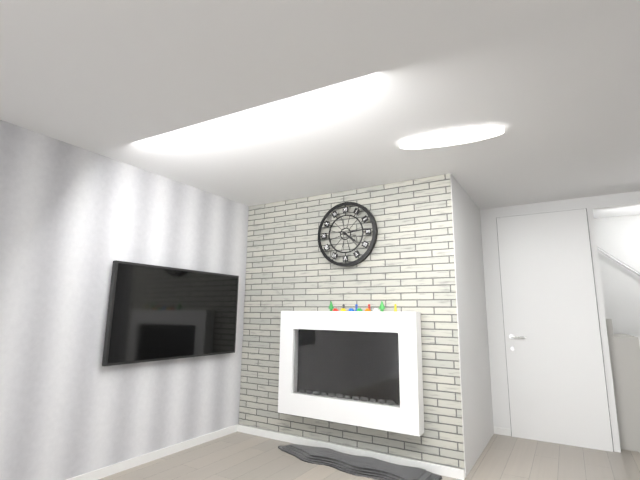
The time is 4:14
